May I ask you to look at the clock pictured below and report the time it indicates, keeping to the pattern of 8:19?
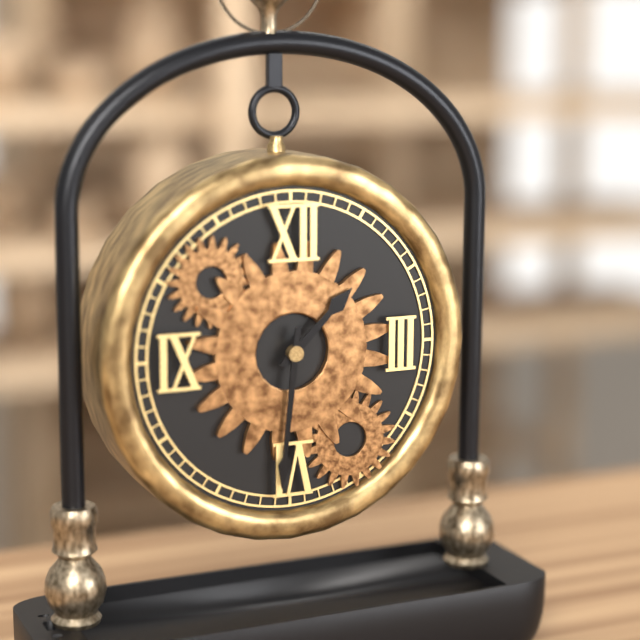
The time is 1:31
